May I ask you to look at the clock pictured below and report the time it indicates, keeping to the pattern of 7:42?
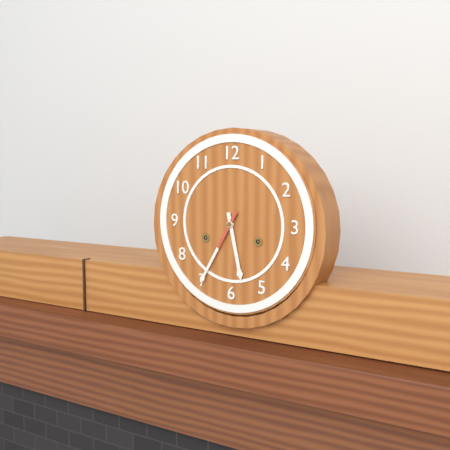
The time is 5:35
